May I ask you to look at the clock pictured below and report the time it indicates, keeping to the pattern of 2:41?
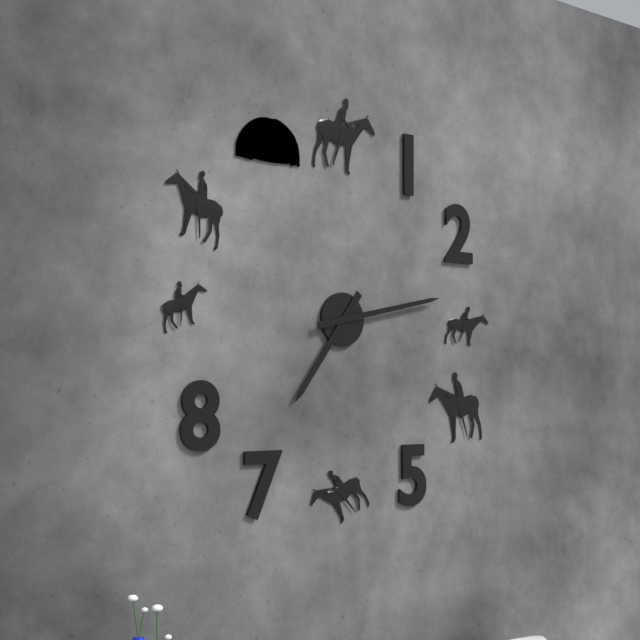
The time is 7:13
